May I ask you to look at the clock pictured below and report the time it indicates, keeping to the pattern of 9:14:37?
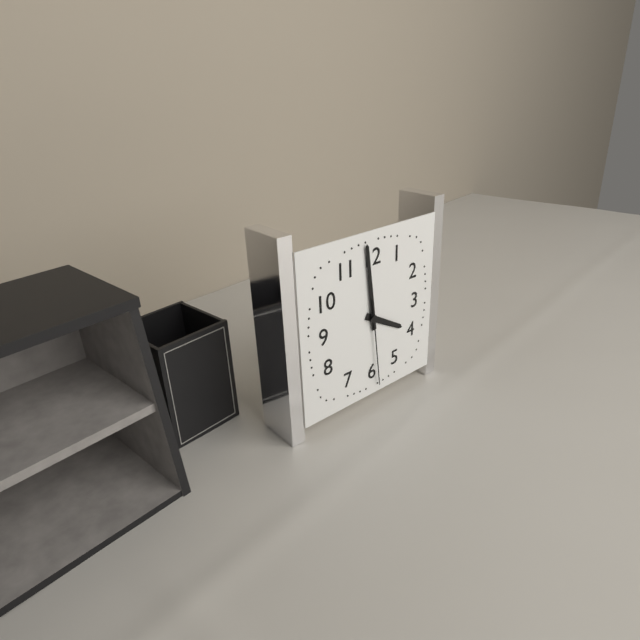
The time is 3:59:29
